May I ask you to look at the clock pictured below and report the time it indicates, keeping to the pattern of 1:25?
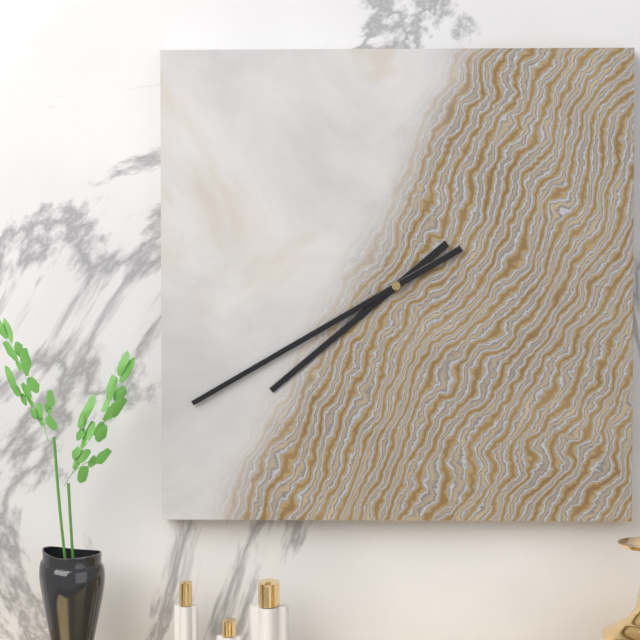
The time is 7:40
